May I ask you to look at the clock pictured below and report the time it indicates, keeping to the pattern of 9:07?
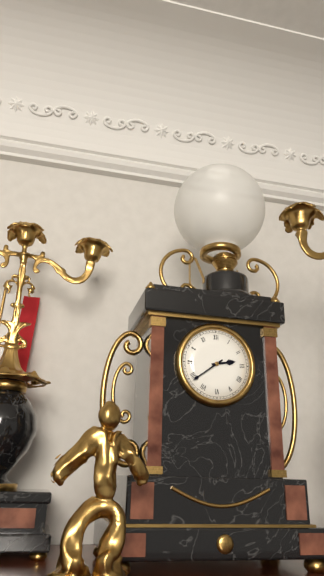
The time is 2:39
